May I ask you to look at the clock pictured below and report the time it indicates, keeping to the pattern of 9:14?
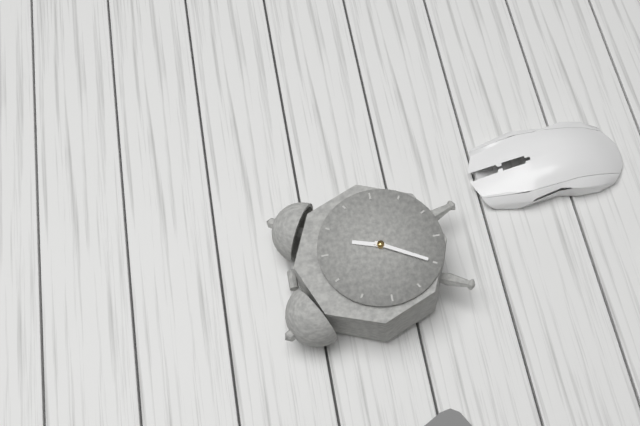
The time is 12:35
